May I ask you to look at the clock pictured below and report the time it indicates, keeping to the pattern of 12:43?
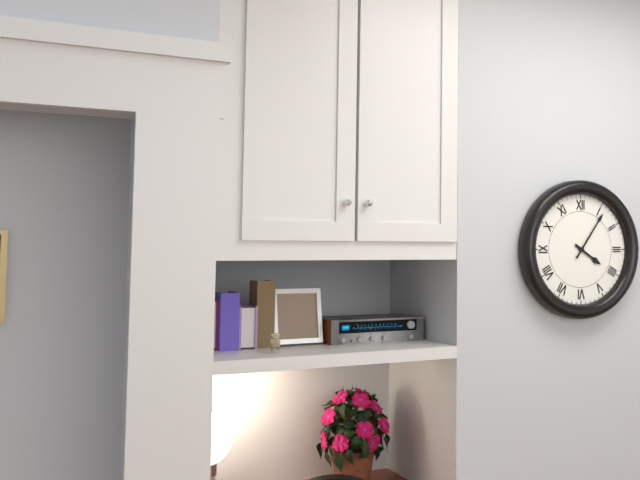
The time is 4:06
